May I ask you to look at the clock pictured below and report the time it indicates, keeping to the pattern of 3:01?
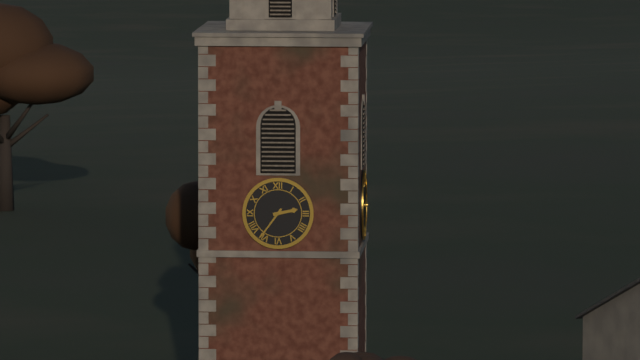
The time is 2:36
